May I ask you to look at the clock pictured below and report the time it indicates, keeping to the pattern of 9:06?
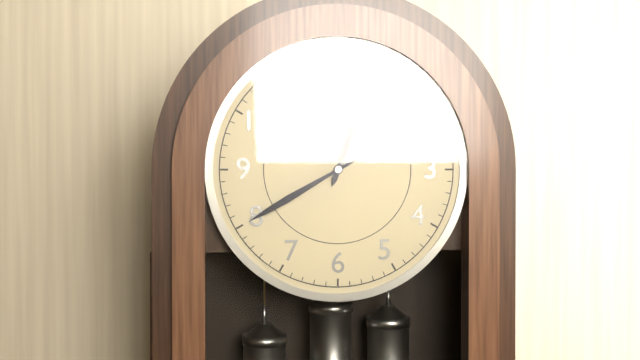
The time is 12:40
